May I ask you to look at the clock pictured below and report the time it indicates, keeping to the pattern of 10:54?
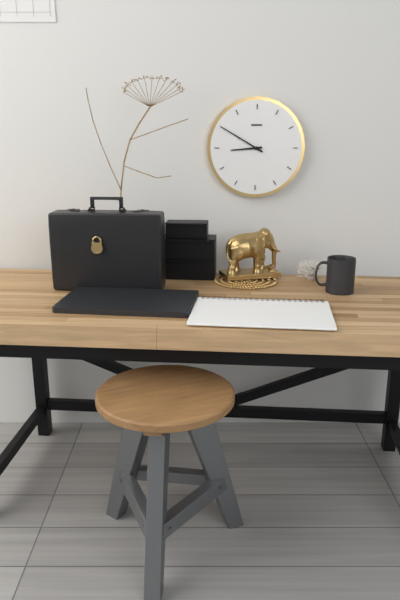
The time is 8:50
